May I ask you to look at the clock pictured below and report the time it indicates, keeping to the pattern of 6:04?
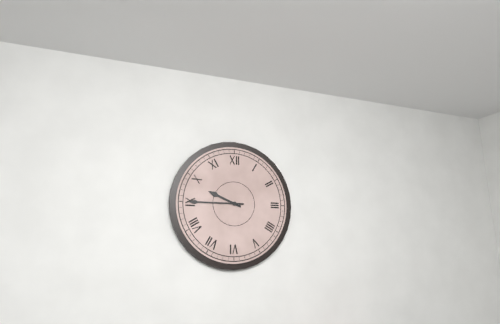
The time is 9:45
